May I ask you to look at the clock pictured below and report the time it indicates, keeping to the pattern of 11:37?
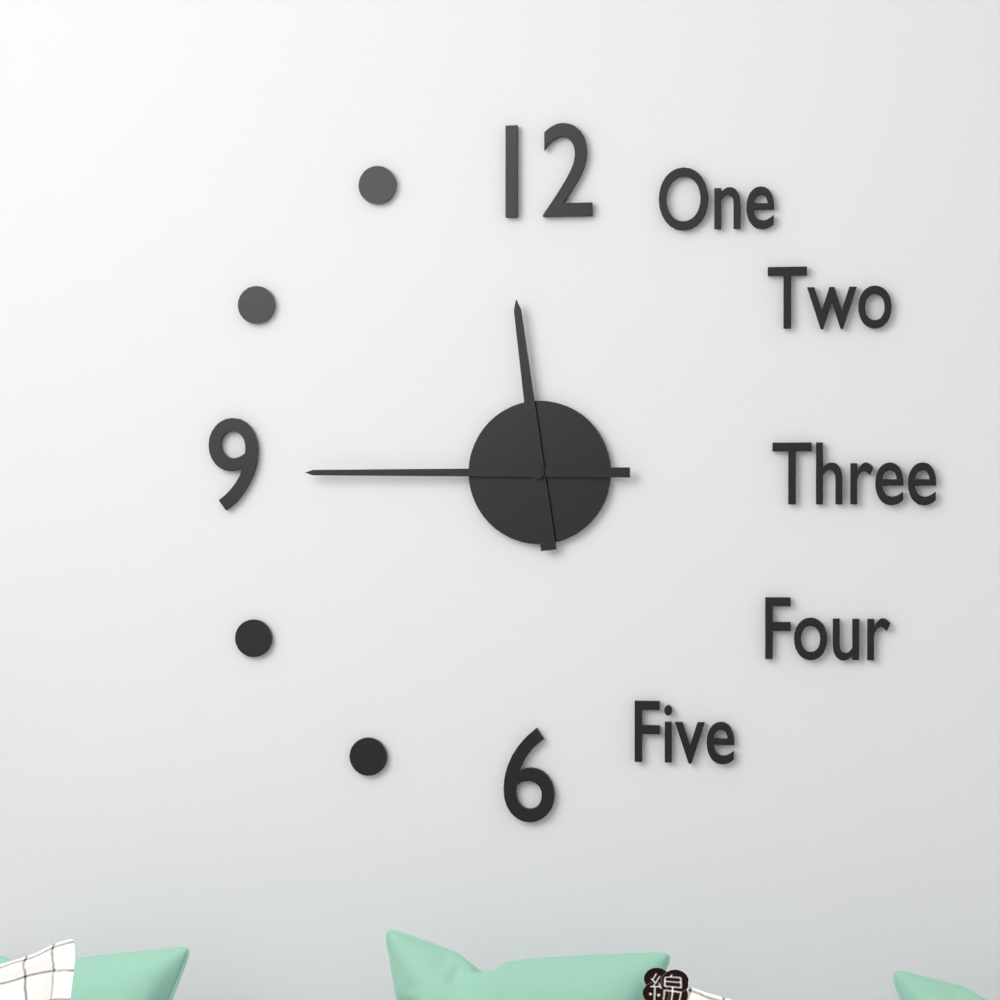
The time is 11:45
